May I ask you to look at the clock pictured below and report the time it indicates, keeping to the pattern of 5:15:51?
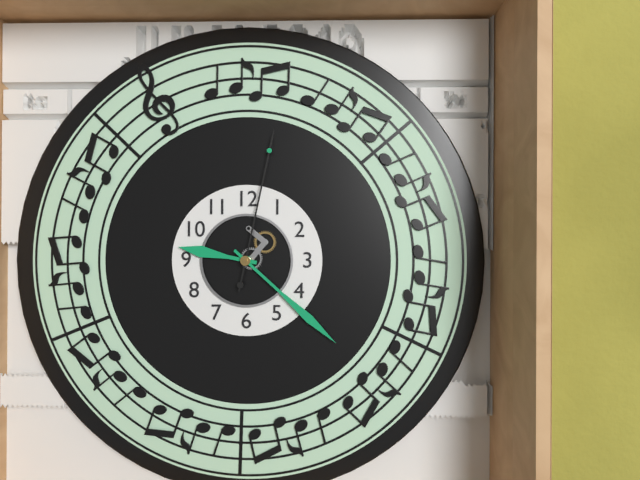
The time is 9:22:02
